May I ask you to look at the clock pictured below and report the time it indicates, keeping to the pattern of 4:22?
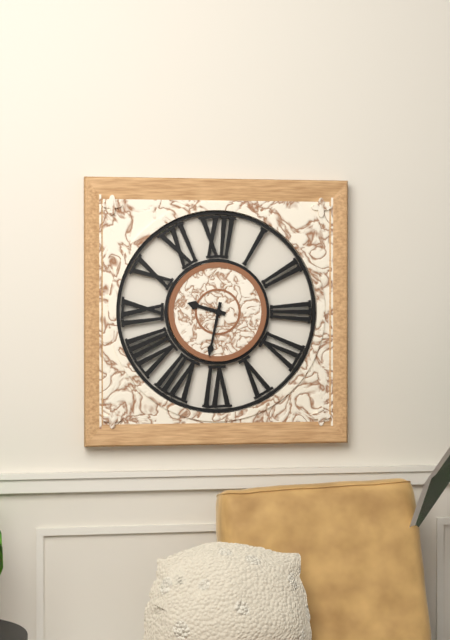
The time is 9:32
